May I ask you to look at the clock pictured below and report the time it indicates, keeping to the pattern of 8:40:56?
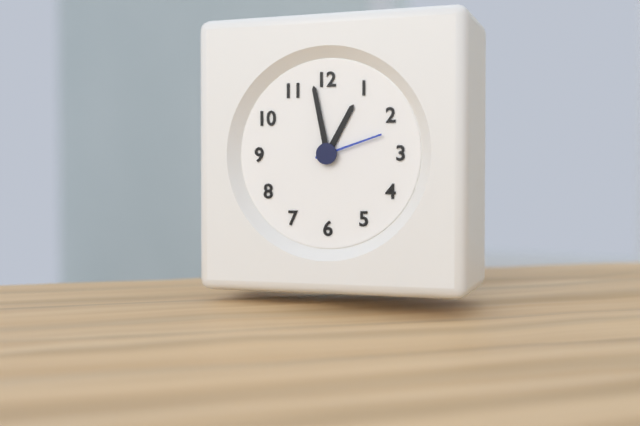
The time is 12:58:12
